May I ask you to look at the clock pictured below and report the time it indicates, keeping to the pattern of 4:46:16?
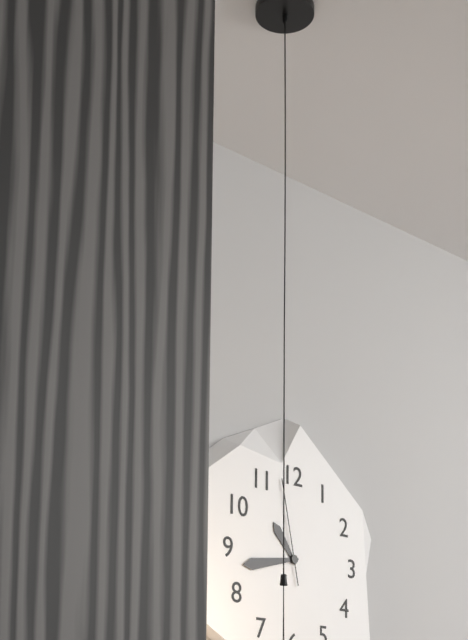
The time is 10:43:58
